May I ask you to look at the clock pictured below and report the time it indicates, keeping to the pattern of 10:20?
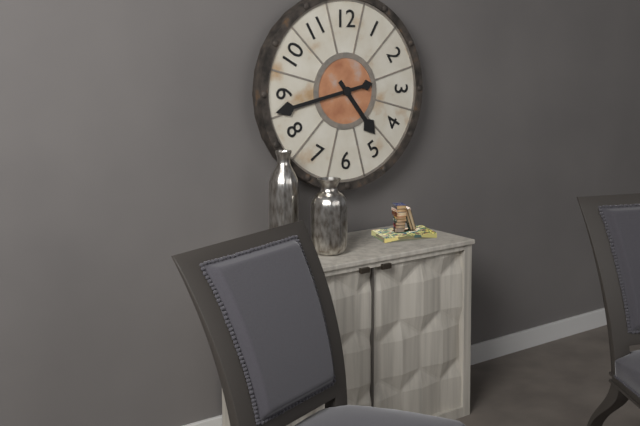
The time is 4:43
